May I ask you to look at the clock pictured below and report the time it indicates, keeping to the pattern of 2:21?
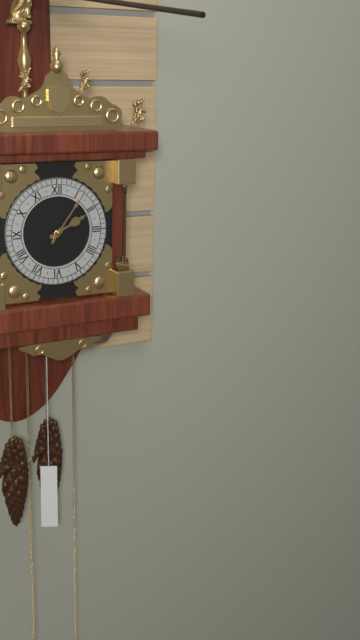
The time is 2:06
